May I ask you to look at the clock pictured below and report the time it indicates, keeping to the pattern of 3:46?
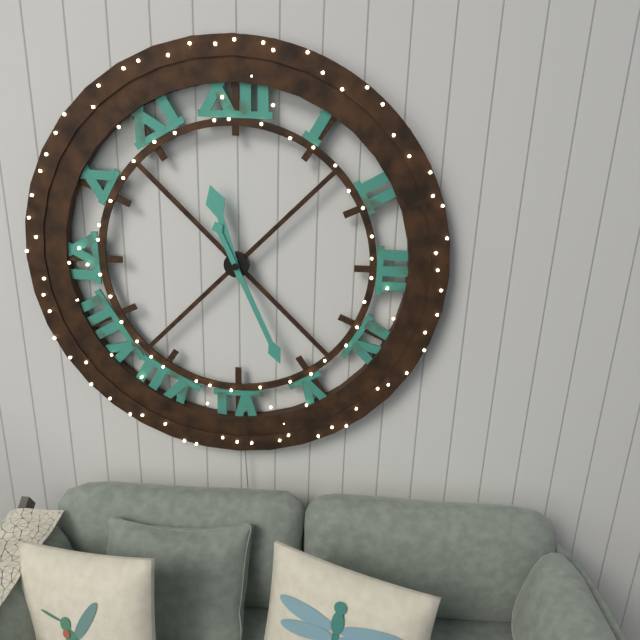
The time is 11:26
